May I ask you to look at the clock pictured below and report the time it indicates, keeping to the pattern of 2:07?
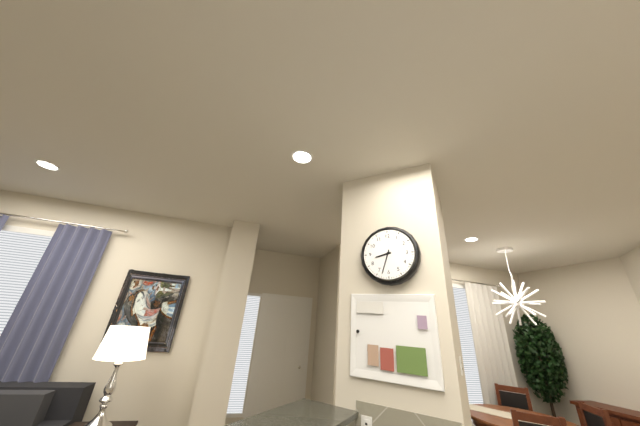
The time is 8:33
